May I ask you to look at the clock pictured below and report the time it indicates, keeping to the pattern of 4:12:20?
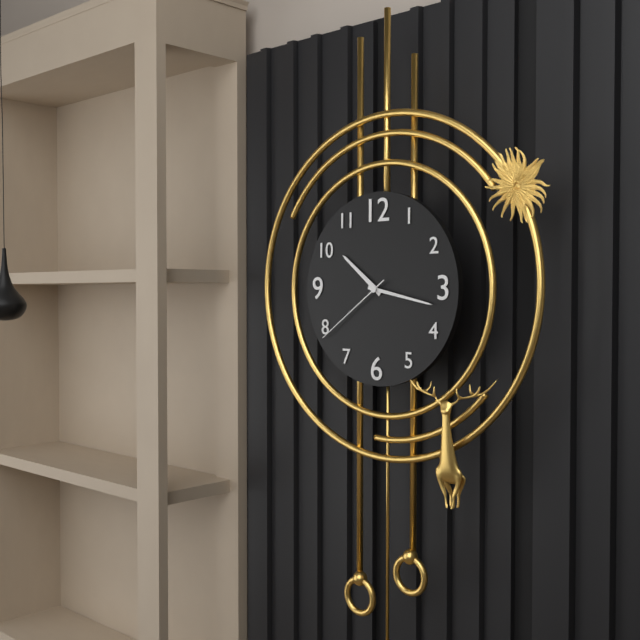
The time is 10:17:39
